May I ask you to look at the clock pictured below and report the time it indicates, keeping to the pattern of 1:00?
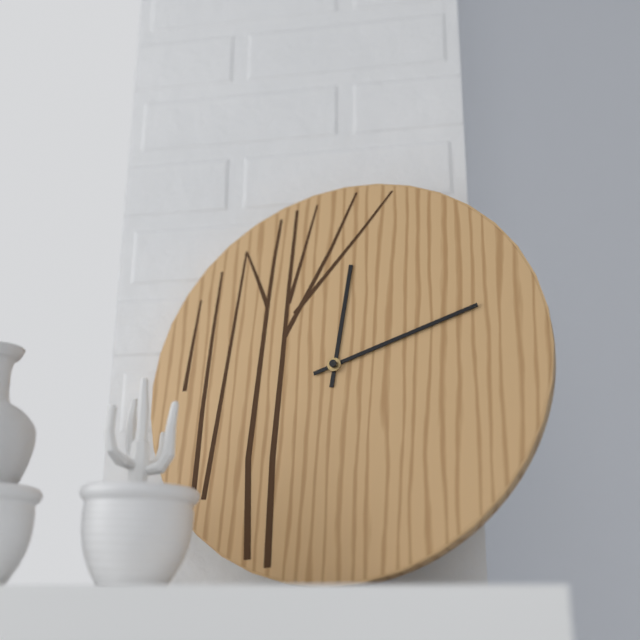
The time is 12:12
